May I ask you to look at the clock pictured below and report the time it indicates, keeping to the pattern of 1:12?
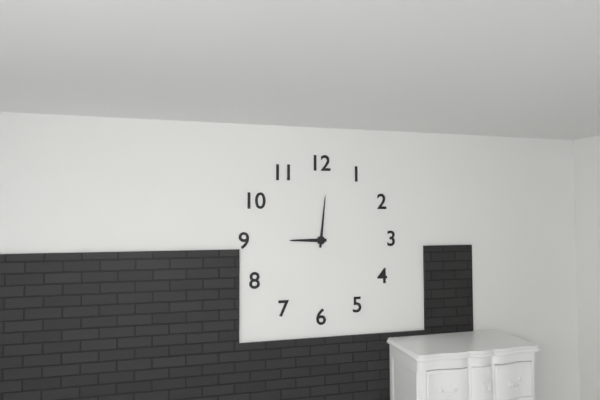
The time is 9:01
